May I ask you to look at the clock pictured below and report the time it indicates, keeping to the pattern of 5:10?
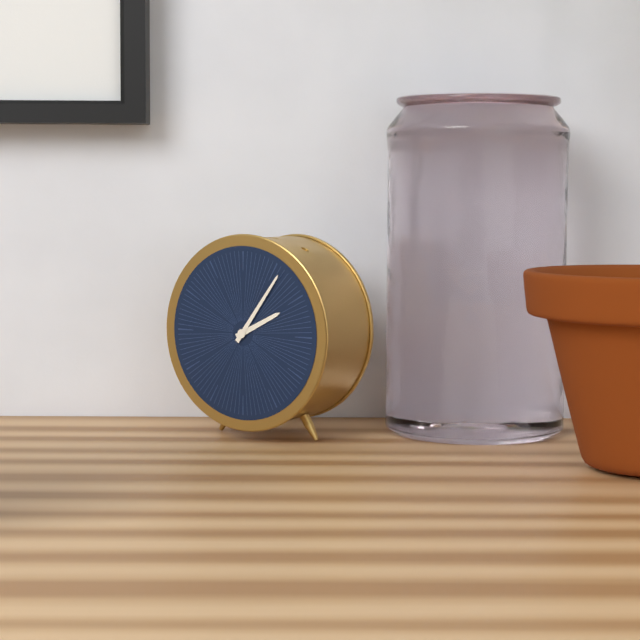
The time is 2:06
